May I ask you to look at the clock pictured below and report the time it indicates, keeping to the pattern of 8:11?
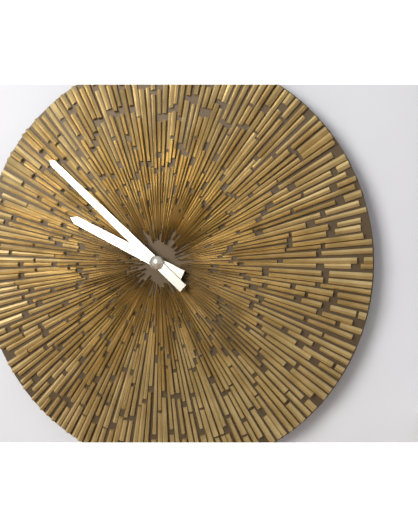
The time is 9:52
